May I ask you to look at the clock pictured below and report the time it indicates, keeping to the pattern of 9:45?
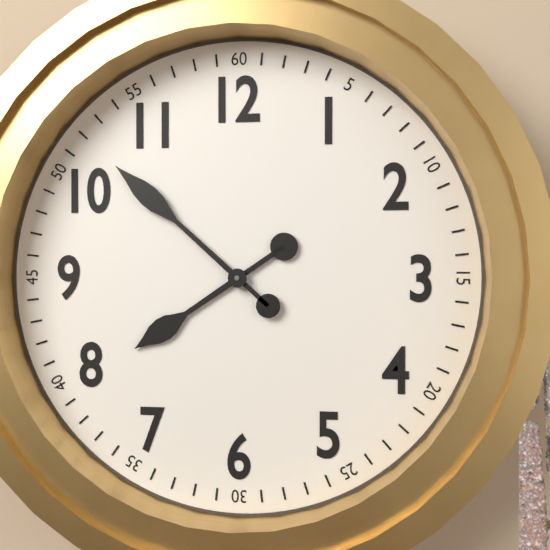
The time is 7:52
